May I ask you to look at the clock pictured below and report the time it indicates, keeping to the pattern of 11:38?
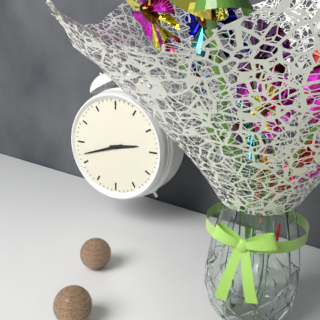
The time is 2:42
